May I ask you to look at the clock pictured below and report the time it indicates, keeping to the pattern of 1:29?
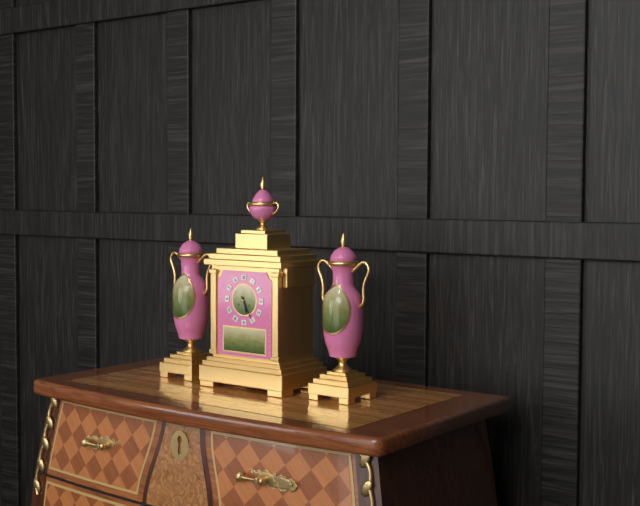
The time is 5:25
